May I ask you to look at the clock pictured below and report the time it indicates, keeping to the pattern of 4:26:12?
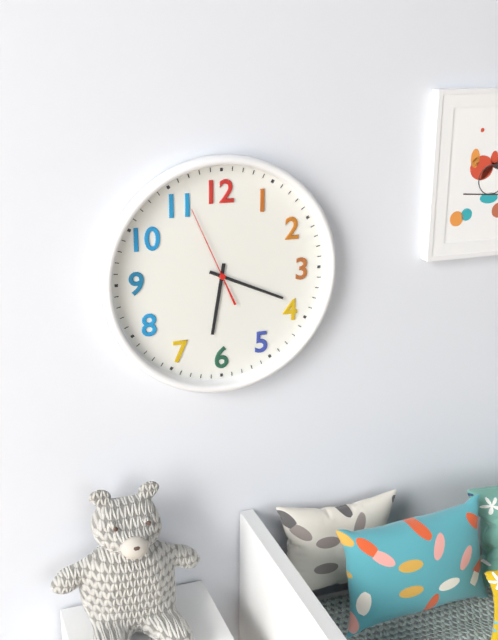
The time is 6:19:56
